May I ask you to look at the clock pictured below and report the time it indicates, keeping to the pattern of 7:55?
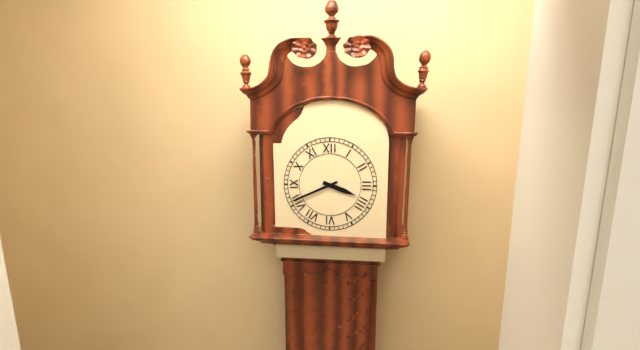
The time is 3:41
